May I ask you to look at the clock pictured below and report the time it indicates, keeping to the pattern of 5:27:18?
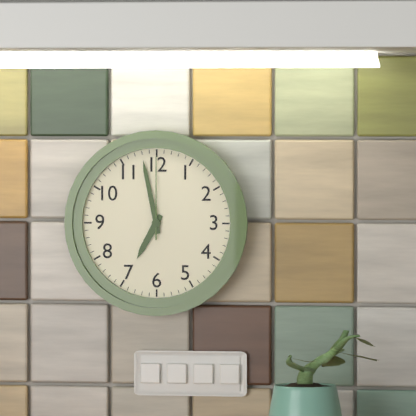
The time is 6:58:00
